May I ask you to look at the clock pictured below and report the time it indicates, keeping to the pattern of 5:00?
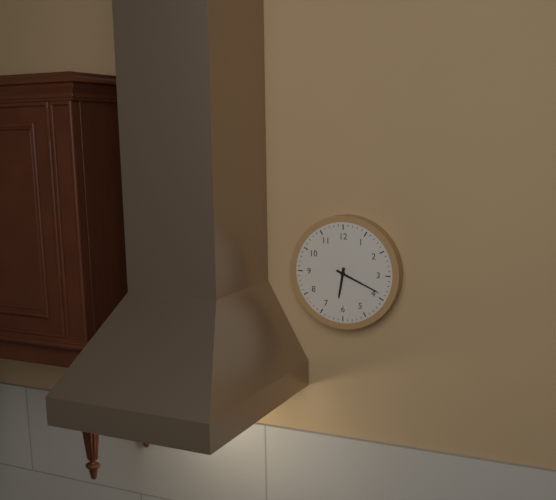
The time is 6:19
